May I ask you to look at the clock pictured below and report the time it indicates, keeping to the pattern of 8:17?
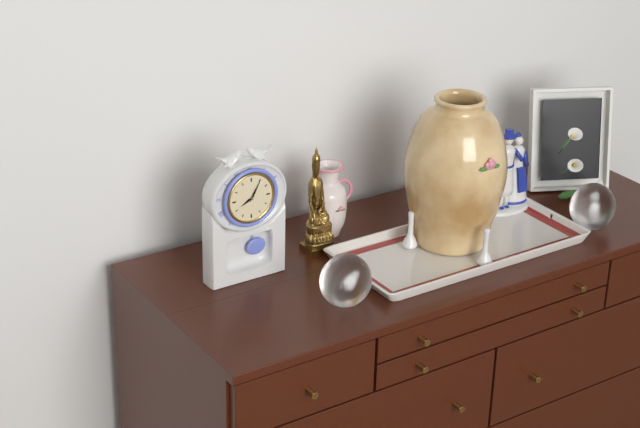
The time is 8:05
